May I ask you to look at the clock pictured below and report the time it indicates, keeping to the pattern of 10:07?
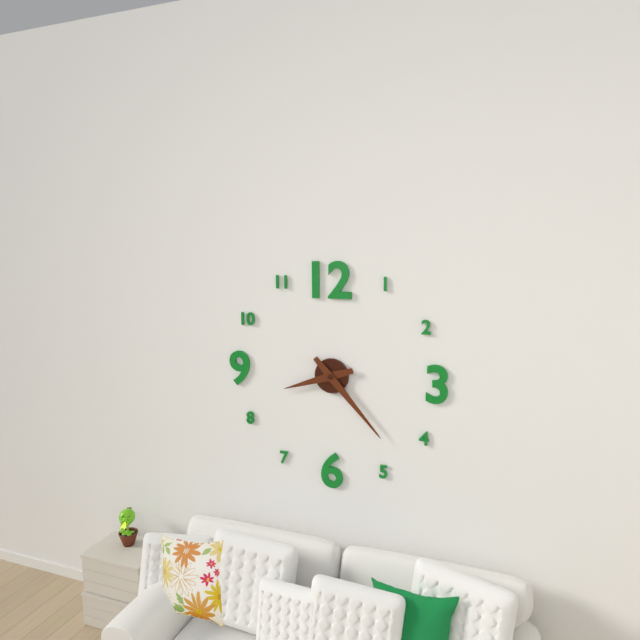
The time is 8:23
